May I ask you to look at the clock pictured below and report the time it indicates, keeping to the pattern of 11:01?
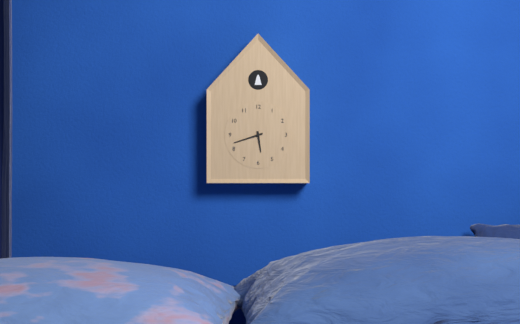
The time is 5:42
